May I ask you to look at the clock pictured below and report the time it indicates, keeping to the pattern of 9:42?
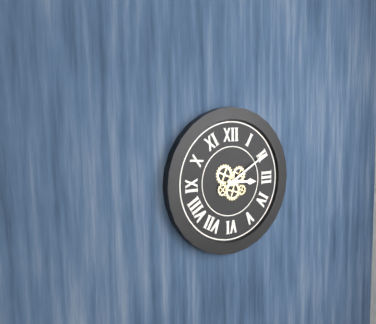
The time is 3:10
